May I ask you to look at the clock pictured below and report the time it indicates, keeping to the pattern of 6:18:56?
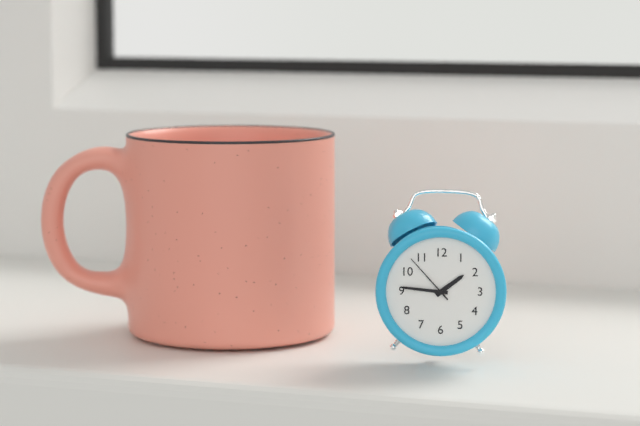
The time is 1:46:53
